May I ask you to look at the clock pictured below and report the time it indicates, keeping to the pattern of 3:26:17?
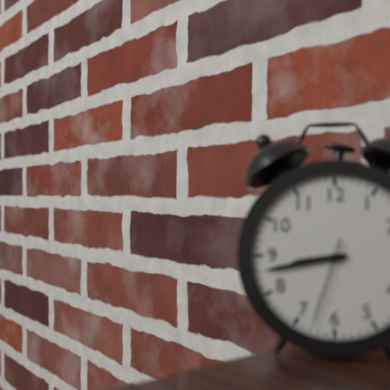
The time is 8:43:33
